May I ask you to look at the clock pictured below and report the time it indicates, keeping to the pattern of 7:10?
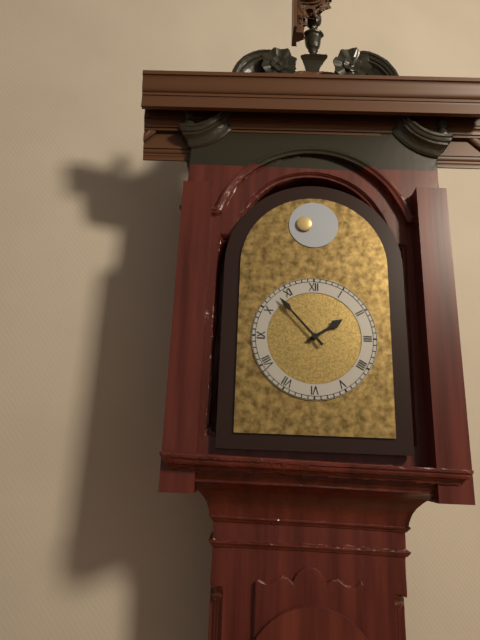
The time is 1:53
